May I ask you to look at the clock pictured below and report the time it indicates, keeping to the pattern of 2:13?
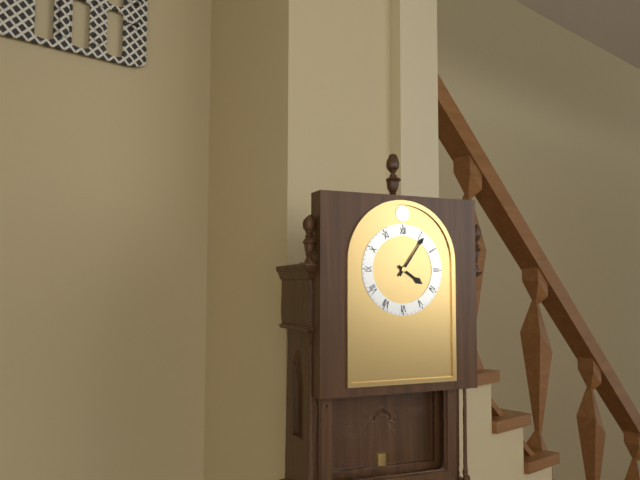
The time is 4:06
